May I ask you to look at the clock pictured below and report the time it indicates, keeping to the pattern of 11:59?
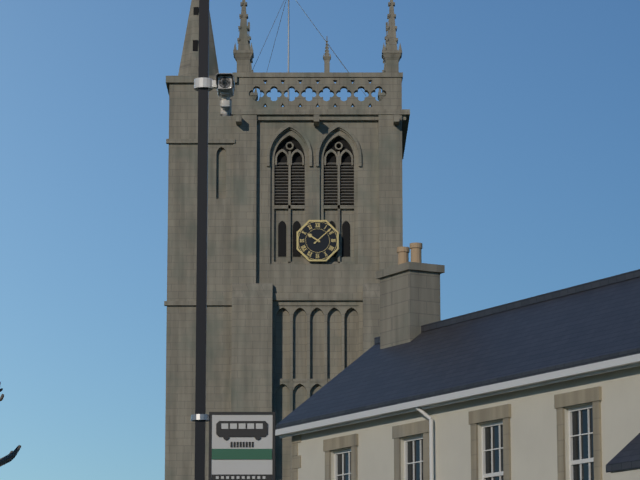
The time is 10:08
